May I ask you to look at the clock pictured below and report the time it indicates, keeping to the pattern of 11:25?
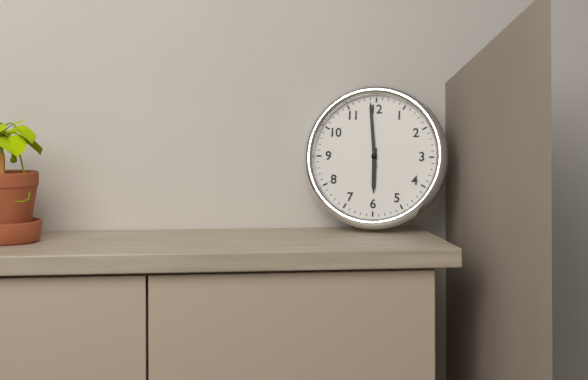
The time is 5:59
